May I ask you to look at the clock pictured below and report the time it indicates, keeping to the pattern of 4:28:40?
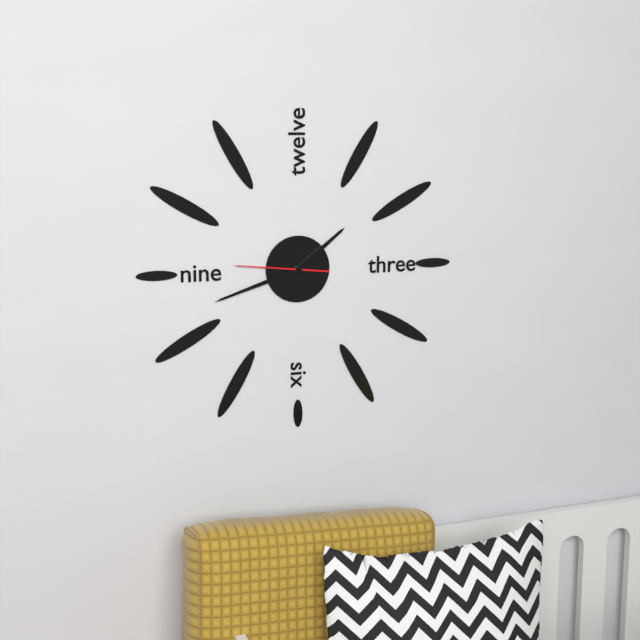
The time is 1:42:46
